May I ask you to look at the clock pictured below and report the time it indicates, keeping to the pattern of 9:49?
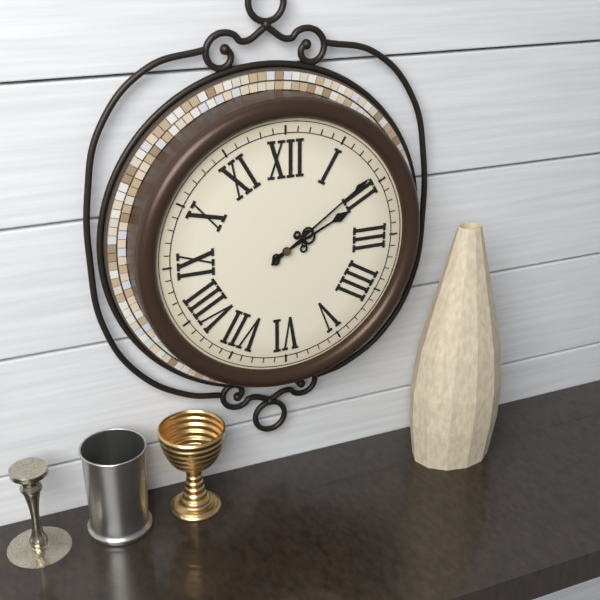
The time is 2:09
